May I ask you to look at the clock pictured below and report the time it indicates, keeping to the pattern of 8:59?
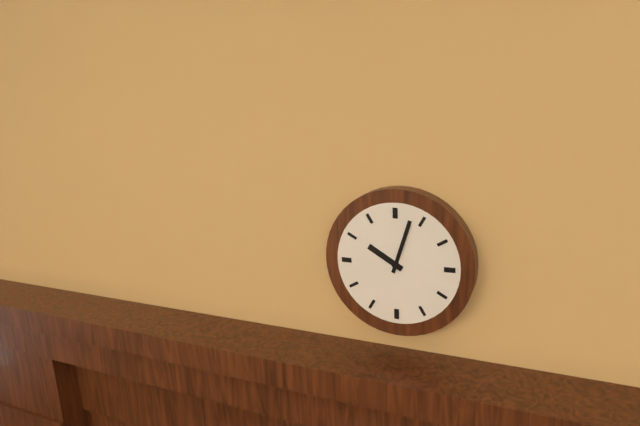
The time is 10:03
